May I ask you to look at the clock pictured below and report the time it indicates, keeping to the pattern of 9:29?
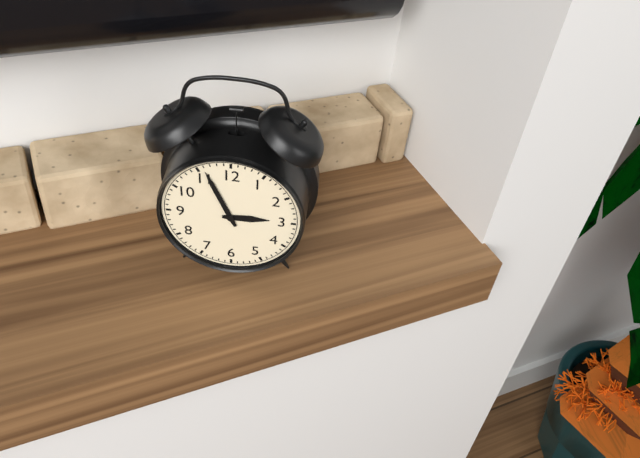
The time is 2:56
